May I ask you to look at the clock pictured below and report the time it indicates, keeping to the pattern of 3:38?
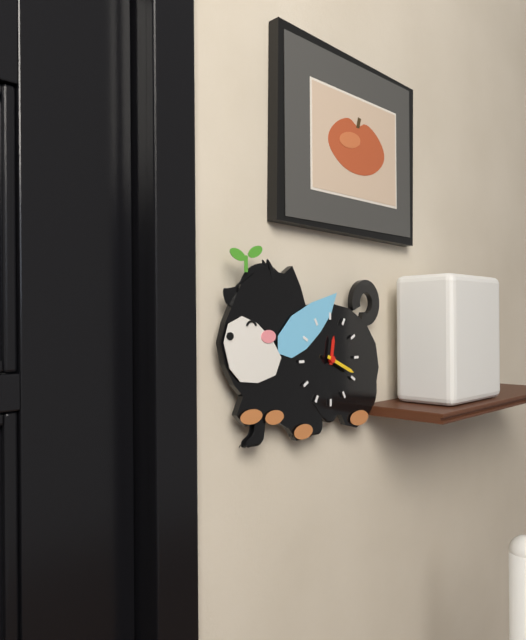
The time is 12:19
